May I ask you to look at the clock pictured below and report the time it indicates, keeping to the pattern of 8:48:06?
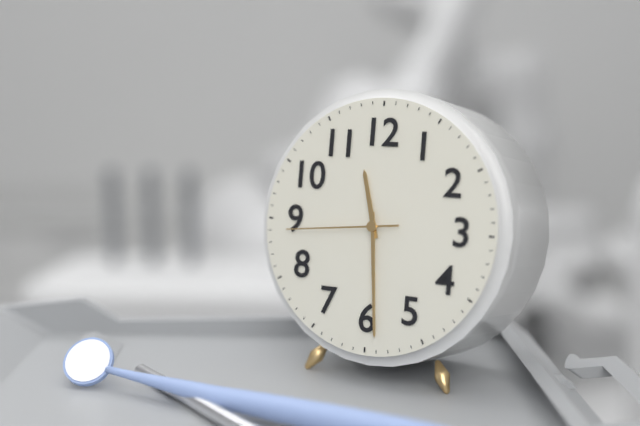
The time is 11:29:44
